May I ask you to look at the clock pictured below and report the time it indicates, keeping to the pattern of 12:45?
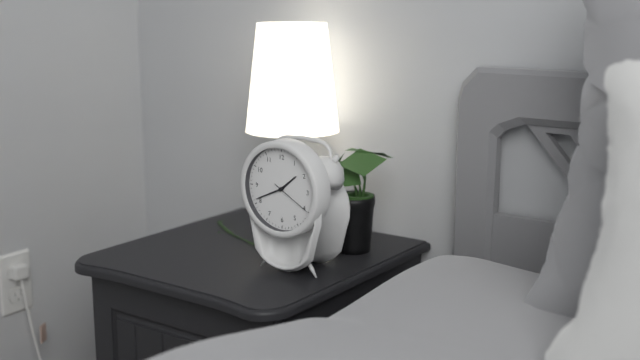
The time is 1:41
